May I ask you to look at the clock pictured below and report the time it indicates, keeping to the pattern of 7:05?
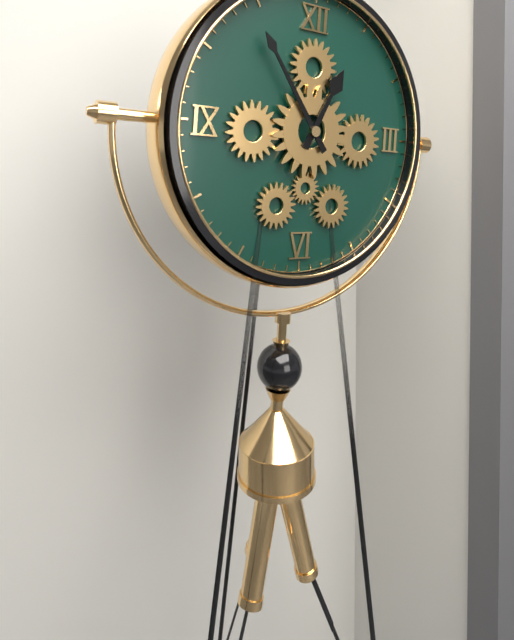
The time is 12:54
